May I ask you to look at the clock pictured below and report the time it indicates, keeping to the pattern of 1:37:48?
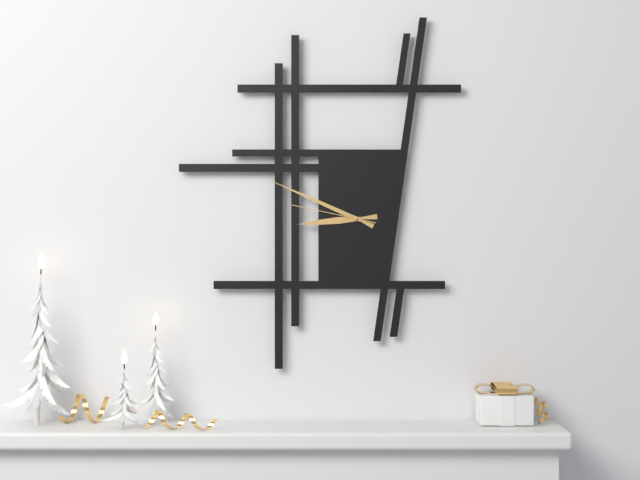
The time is 8:49:47
